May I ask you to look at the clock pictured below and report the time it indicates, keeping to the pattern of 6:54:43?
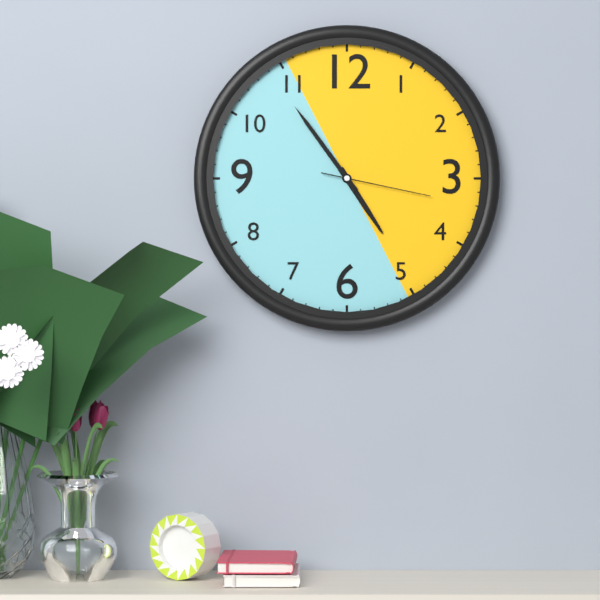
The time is 4:54:17
